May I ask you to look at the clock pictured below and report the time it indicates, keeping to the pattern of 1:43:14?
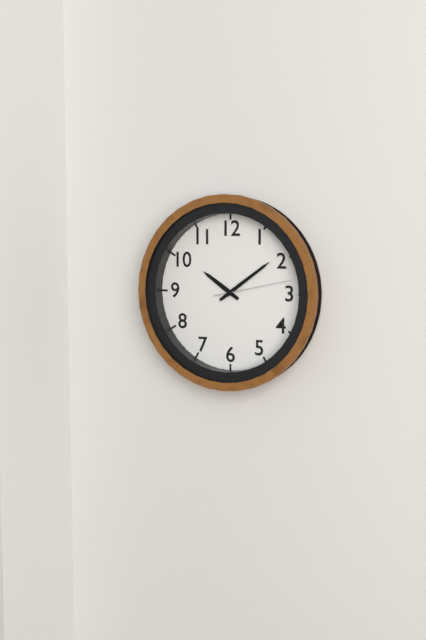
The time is 10:09:13
